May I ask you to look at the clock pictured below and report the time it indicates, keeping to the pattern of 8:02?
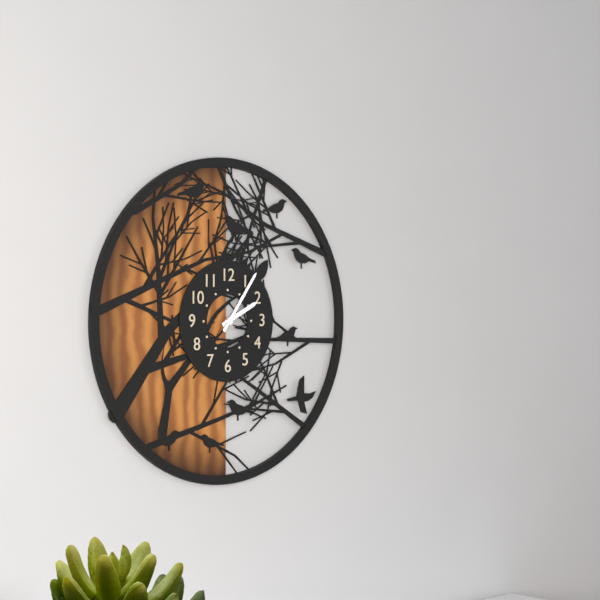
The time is 2:06
